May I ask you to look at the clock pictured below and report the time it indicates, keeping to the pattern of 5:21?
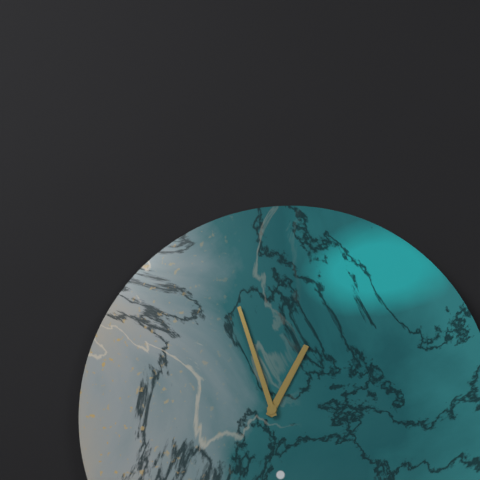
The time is 12:57
